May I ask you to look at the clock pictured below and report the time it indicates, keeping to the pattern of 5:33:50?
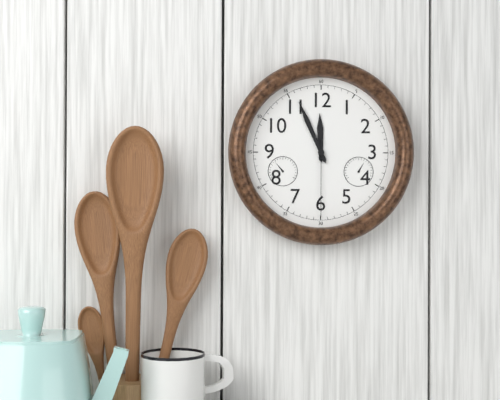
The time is 11:56:30
